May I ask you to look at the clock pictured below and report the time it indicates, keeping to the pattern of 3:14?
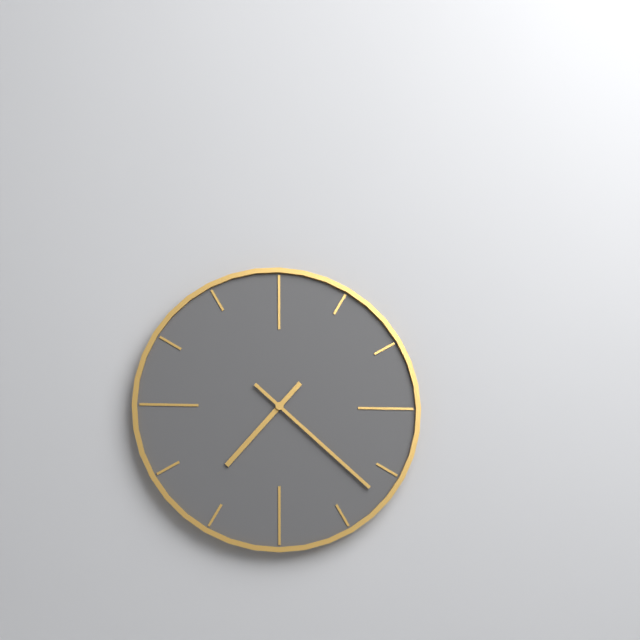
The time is 7:22
